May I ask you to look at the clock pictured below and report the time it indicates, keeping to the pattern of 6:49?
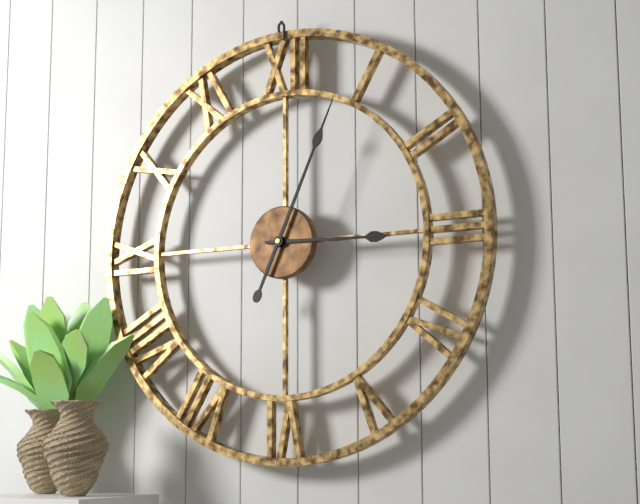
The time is 3:04
